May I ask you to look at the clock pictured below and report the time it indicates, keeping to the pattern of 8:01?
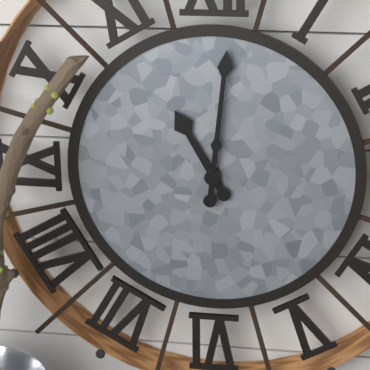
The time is 11:01
